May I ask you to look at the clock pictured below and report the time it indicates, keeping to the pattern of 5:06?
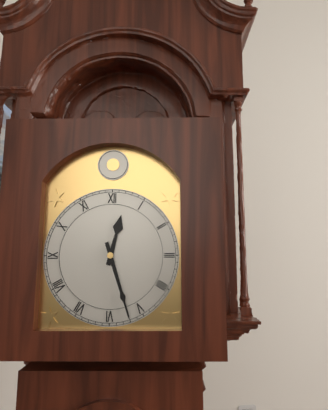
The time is 12:27
